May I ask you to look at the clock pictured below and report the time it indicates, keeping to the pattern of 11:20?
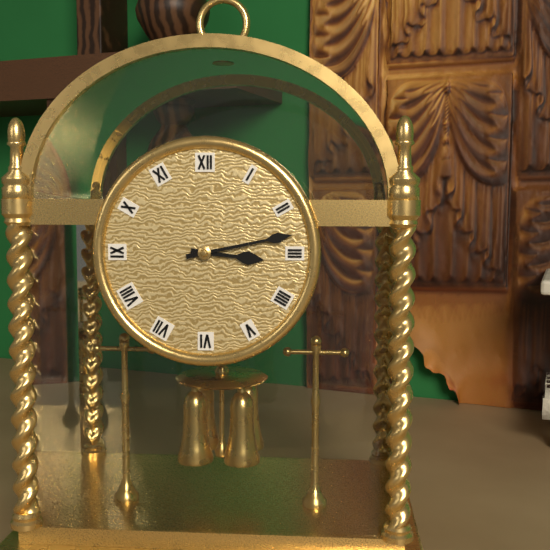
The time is 3:13
